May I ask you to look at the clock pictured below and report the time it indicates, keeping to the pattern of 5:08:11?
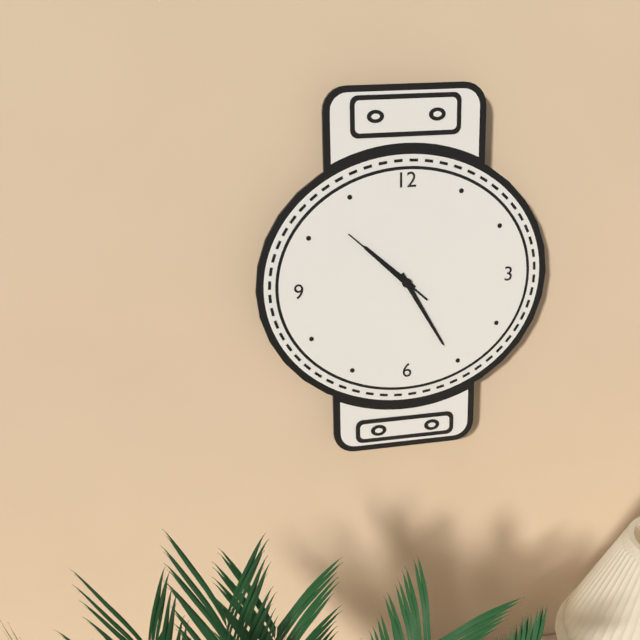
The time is 10:25:52
